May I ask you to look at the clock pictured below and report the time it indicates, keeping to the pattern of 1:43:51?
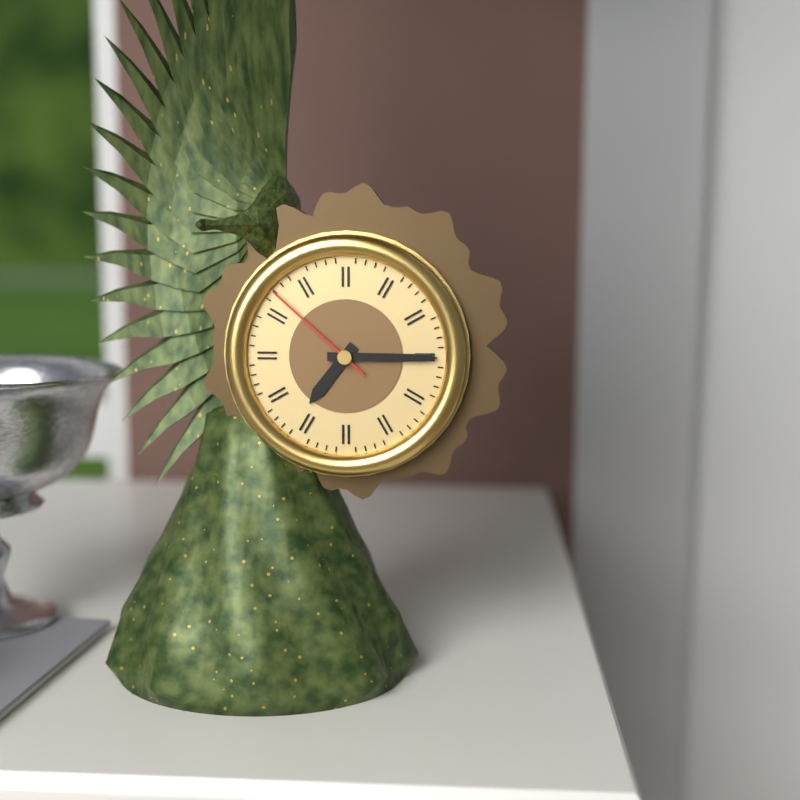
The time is 7:15:52
